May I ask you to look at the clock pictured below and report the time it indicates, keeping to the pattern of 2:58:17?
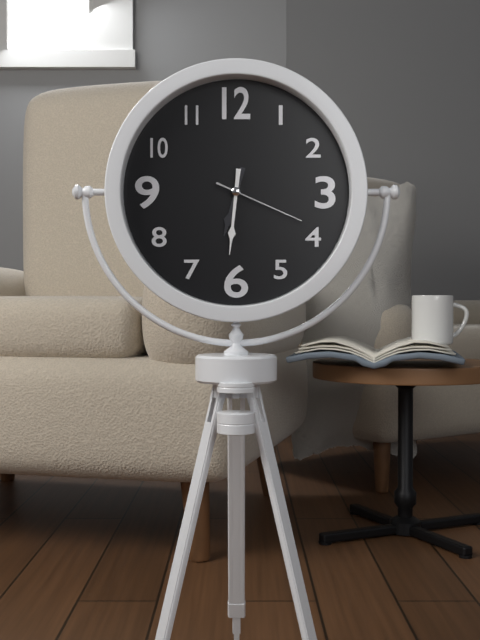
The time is 6:31:19
